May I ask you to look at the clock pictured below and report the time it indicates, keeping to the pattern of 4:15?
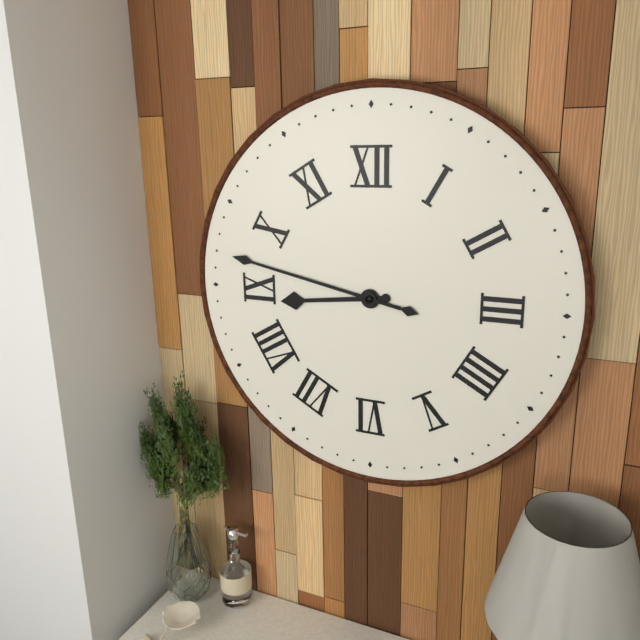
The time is 8:47
